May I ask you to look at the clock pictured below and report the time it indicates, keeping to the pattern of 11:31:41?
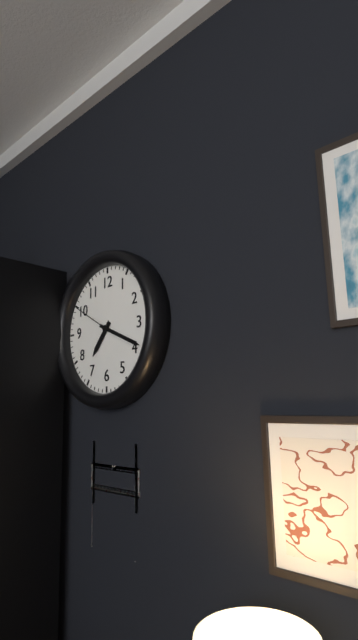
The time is 7:19:50
